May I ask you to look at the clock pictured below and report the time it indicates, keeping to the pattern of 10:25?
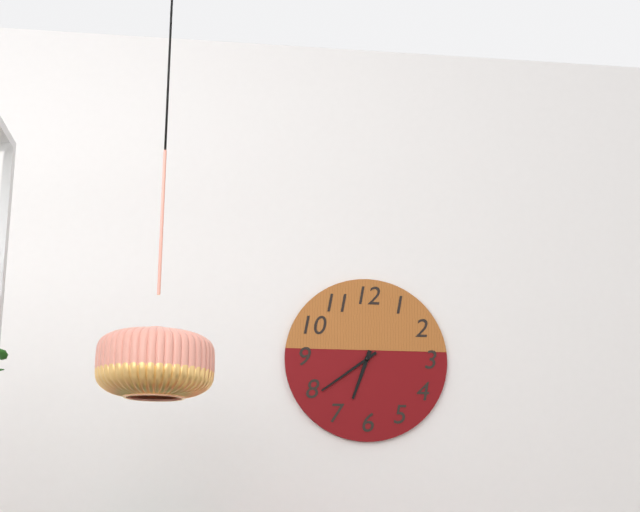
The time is 6:39
